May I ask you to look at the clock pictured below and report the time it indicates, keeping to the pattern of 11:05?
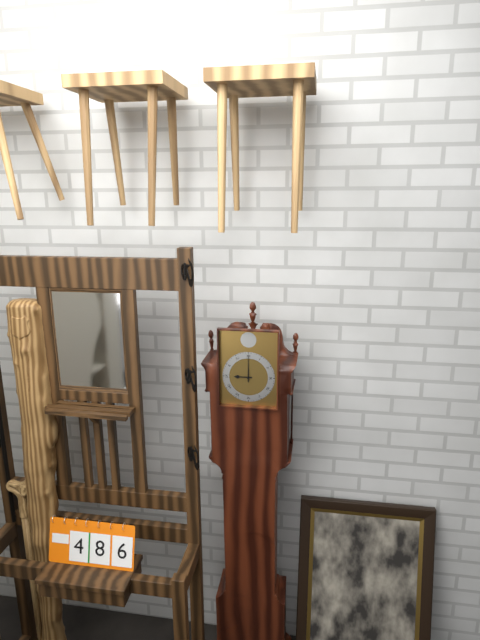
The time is 9:00
